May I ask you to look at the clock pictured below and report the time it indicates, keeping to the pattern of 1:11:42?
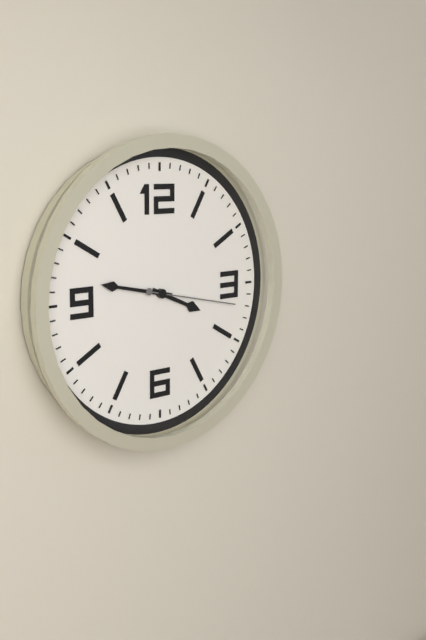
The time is 3:47:17
